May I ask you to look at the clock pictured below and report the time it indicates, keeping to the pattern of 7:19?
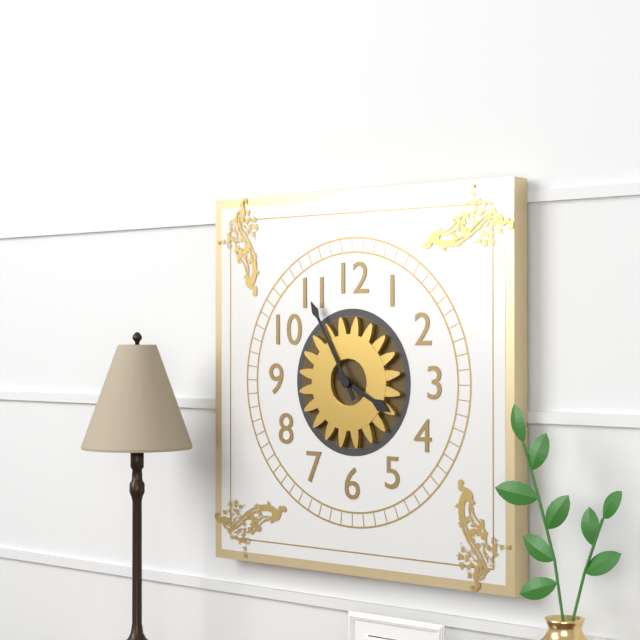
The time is 3:55
